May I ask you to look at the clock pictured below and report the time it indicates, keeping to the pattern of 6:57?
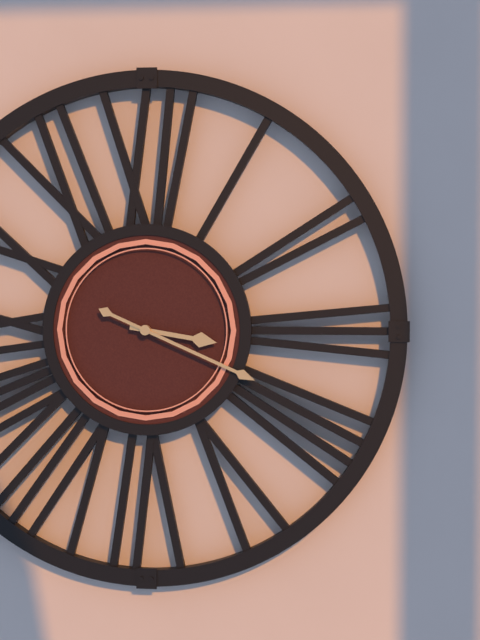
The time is 3:19
